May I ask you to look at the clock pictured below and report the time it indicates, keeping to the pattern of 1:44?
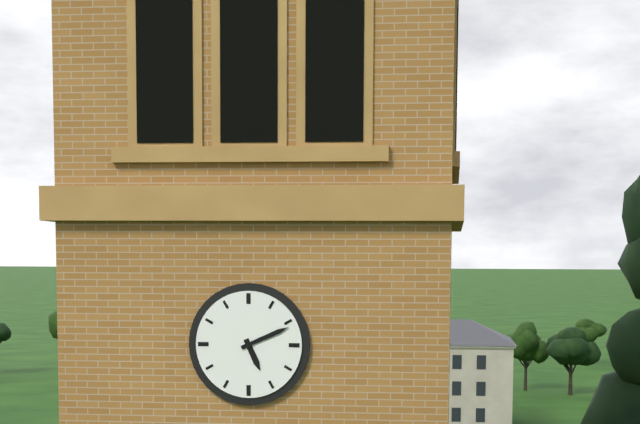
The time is 5:11
